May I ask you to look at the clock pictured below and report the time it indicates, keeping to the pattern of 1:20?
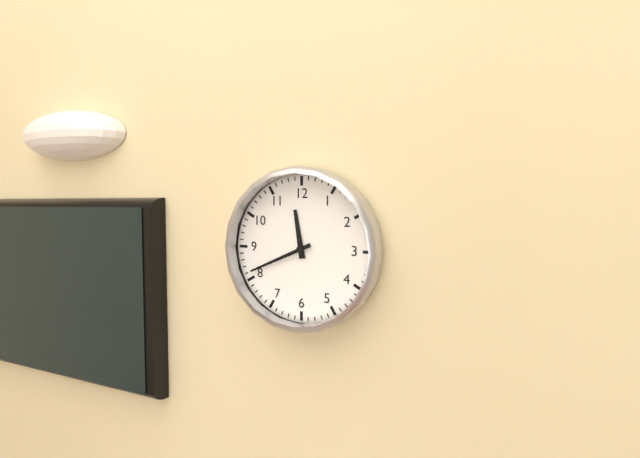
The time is 11:41
